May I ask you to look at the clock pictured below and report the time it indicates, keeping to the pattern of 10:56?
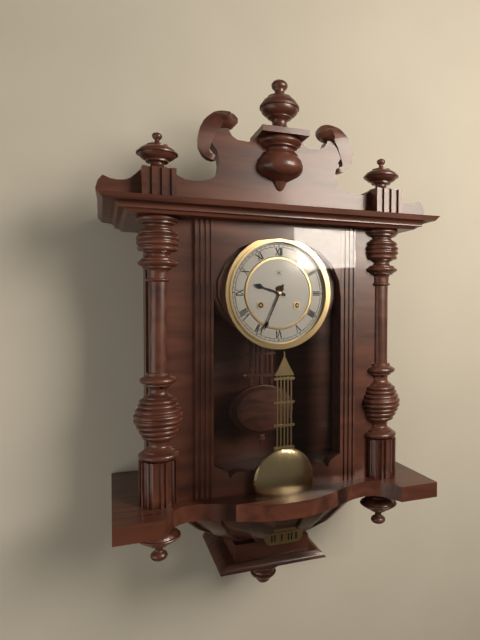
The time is 9:34
